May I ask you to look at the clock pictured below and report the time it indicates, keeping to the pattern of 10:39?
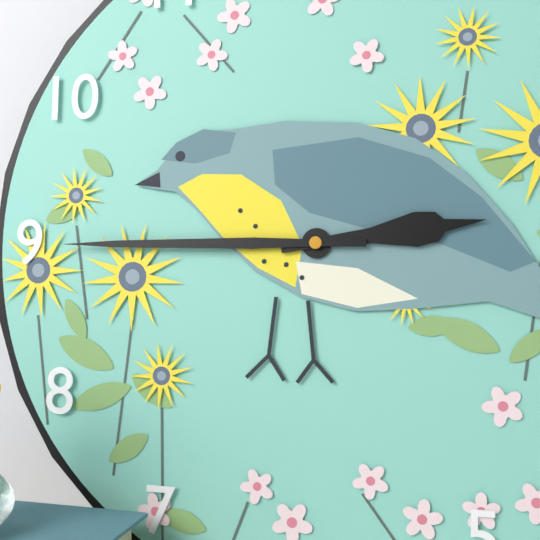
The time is 2:45
